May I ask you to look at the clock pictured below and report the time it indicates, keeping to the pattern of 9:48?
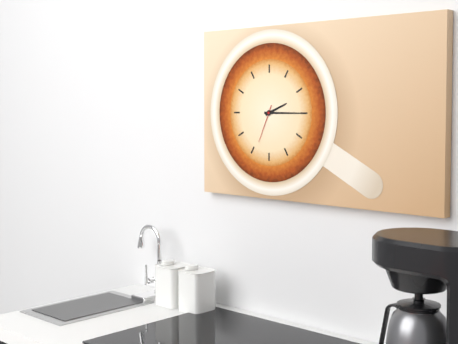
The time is 2:15
